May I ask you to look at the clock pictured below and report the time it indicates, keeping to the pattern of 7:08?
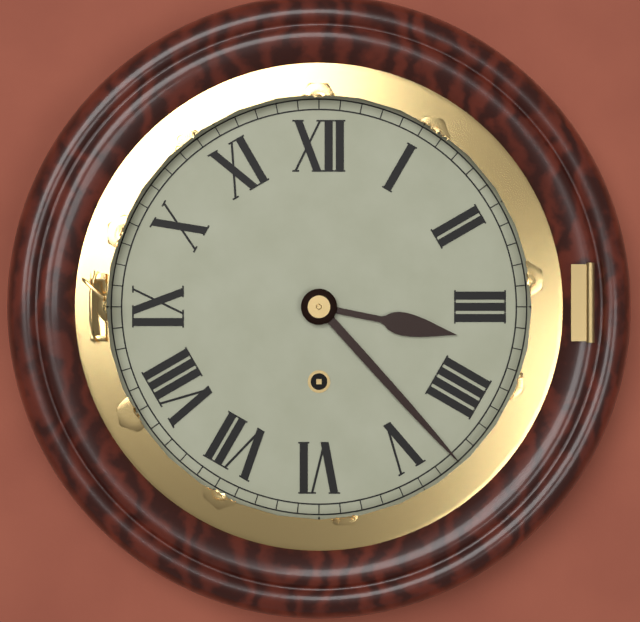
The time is 3:23
